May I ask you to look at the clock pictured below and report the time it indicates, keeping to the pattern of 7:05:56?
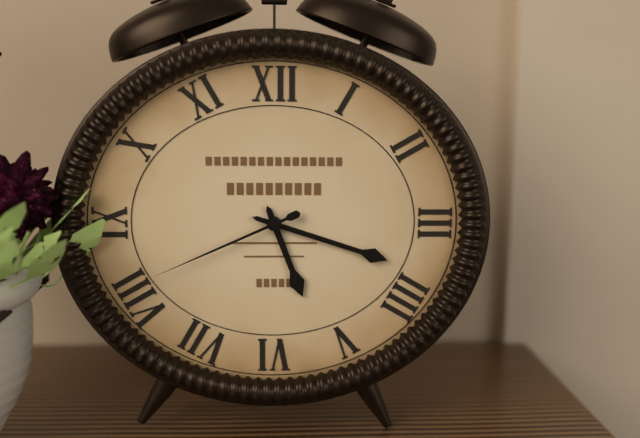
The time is 5:18:41
